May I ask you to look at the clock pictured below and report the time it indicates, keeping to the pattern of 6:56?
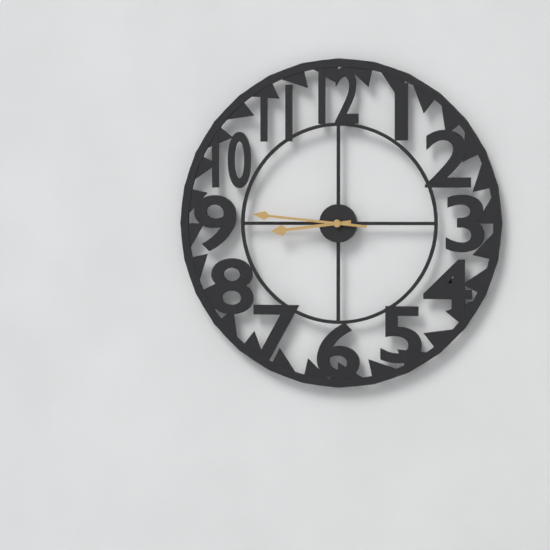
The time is 8:46
